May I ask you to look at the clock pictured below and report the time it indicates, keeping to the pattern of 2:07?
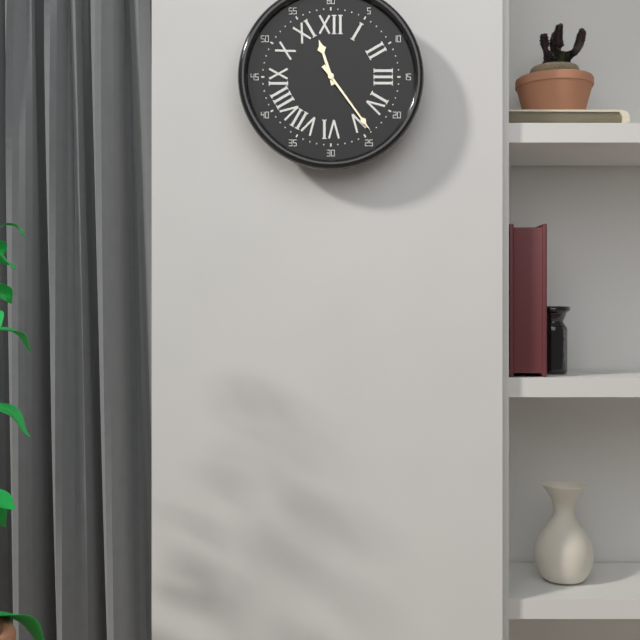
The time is 11:24
